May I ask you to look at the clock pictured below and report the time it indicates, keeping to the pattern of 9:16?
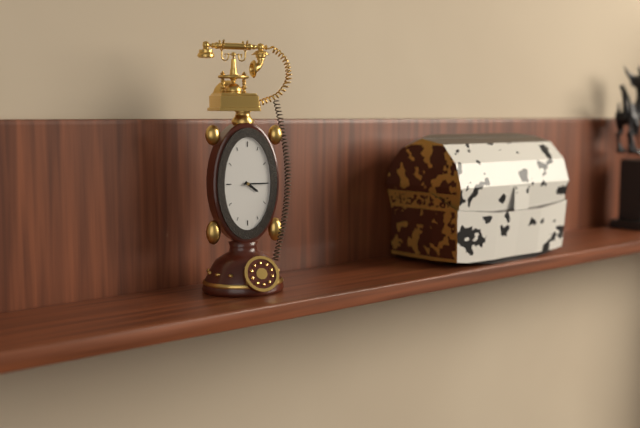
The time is 4:15
